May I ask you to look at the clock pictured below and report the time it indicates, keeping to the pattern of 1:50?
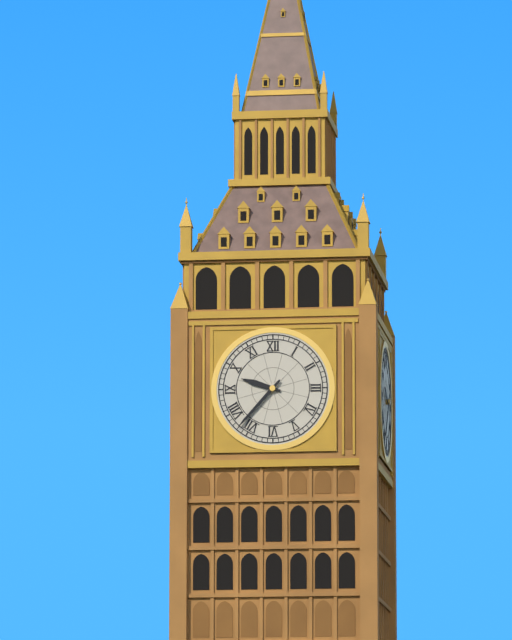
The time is 9:37
